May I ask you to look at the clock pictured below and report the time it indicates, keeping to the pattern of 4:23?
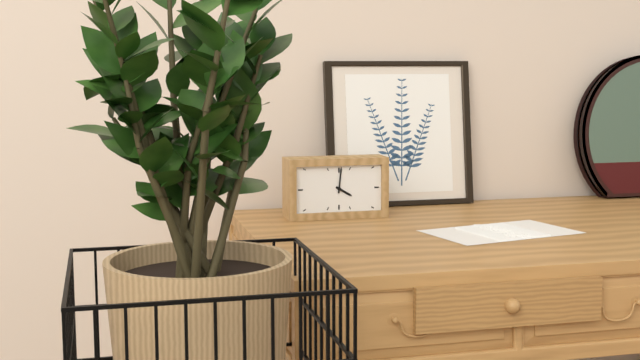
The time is 4:01
